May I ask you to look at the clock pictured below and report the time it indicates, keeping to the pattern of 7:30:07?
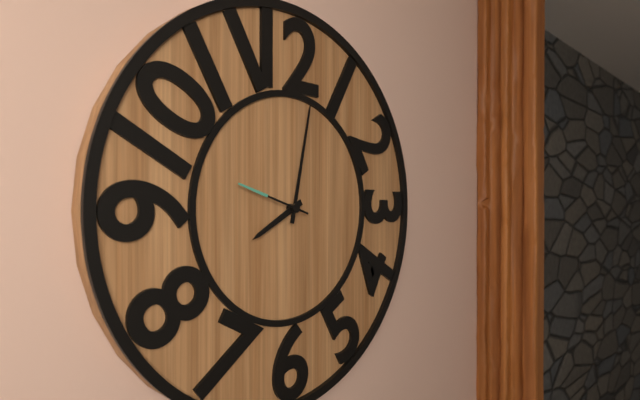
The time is 8:02:48
